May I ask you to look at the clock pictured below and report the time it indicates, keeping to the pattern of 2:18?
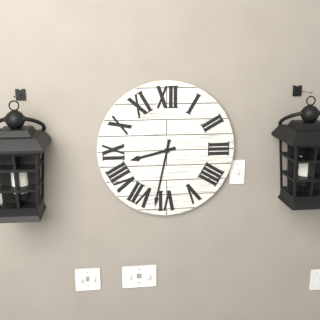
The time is 8:32
